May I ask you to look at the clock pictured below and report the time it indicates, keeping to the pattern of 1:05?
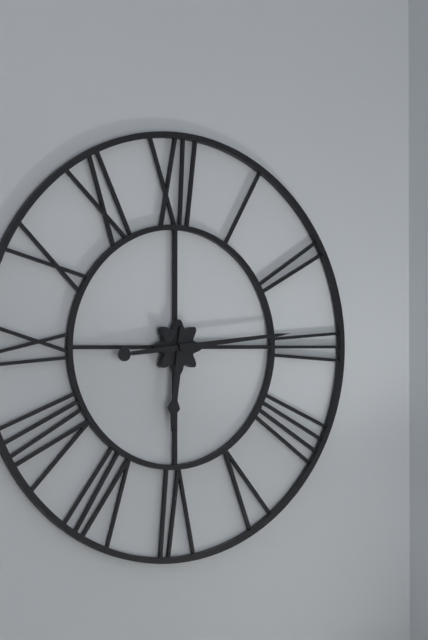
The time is 6:14
